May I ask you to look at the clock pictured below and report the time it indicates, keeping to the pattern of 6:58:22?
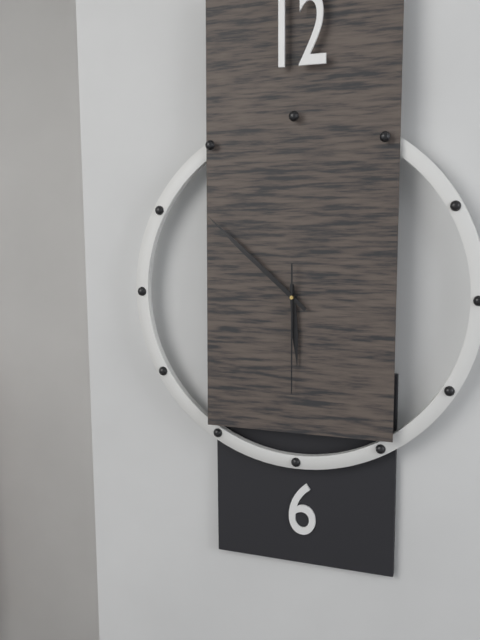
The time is 5:52:30
